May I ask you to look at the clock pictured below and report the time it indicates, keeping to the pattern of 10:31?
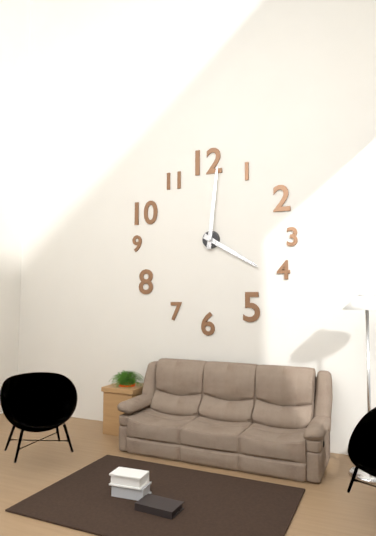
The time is 4:01
